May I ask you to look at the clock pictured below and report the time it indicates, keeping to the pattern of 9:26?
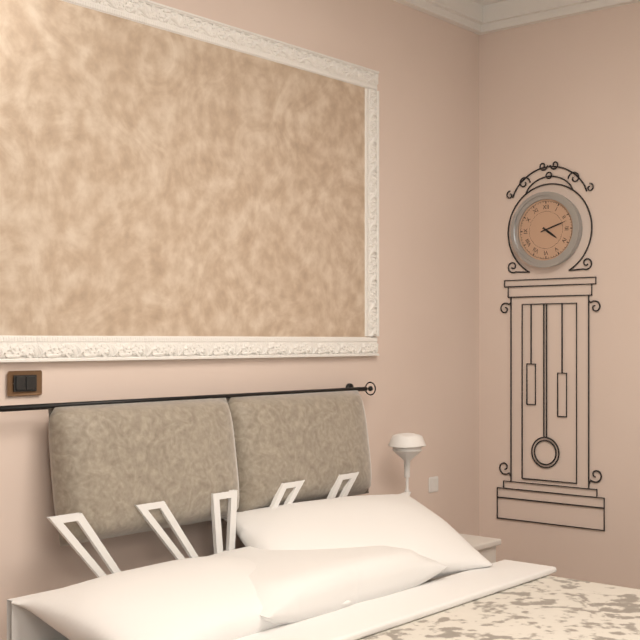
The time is 4:12
